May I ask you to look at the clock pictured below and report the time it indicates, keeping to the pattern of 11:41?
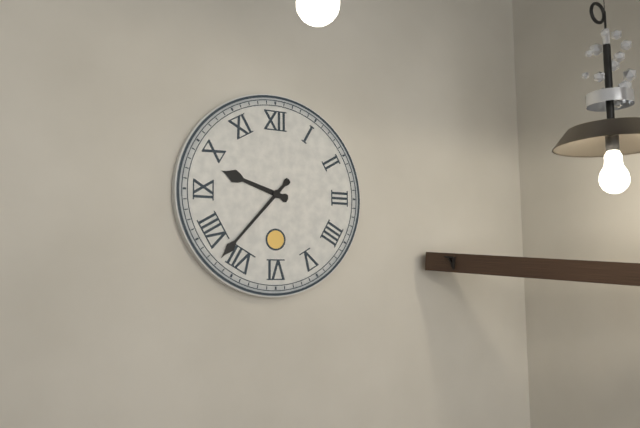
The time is 9:37
